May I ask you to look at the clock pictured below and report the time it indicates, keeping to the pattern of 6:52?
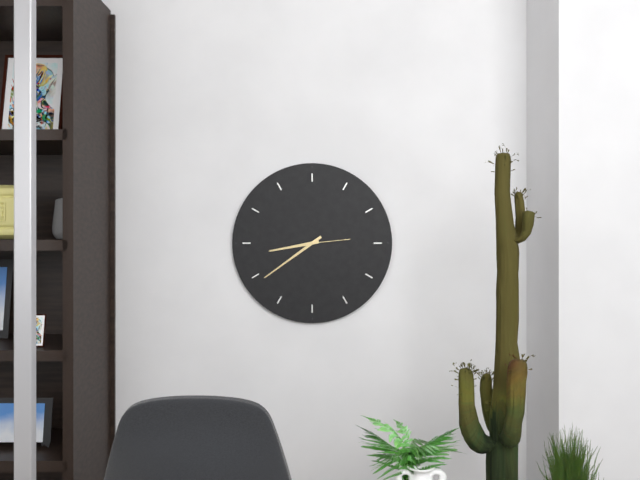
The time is 8:39
